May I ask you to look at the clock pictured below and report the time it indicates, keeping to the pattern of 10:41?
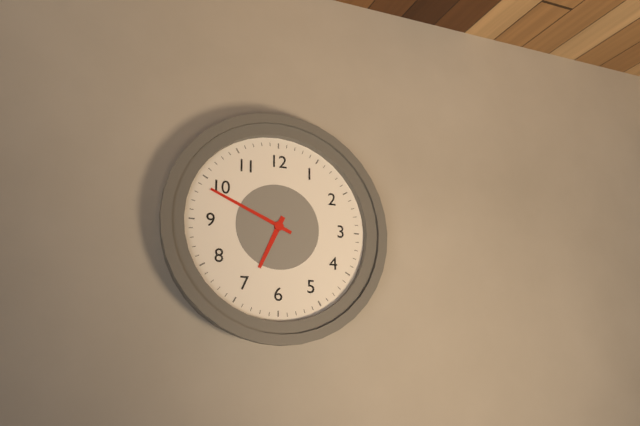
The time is 6:49
